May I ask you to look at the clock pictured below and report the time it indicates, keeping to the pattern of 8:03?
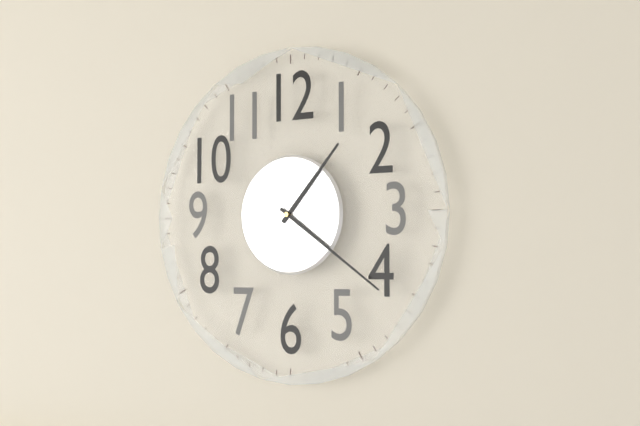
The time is 1:21
